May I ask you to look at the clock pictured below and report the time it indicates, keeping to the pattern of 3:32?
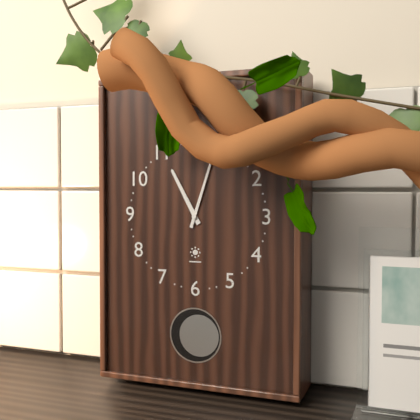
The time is 11:03
